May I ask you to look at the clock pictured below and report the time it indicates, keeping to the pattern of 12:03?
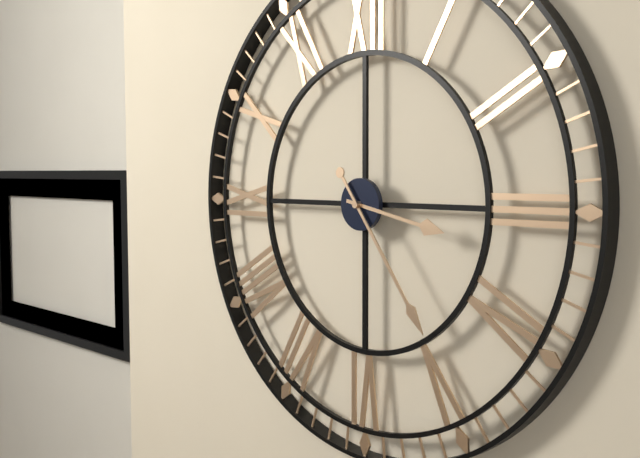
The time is 3:24
